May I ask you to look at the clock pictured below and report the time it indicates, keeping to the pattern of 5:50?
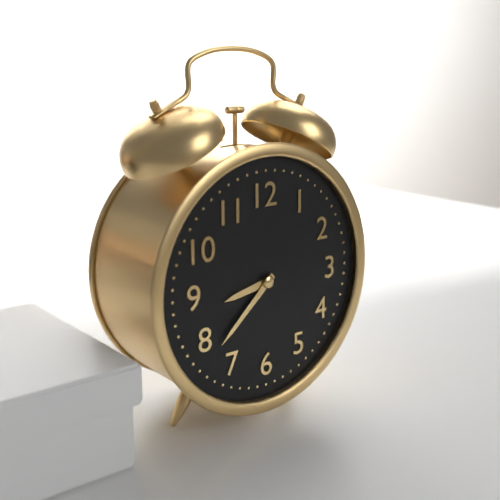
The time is 8:38
